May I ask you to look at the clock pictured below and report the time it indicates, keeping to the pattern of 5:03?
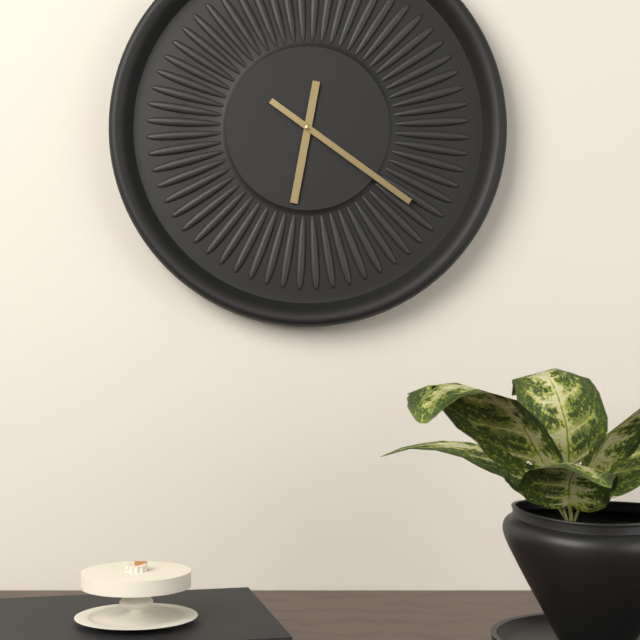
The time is 6:21
